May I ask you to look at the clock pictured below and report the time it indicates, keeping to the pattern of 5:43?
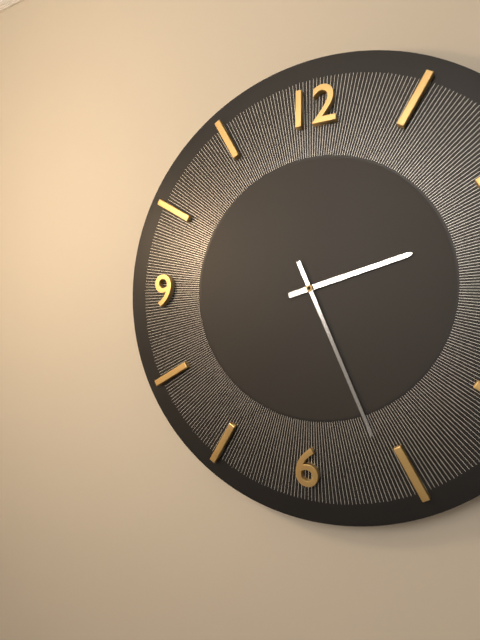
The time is 2:26
